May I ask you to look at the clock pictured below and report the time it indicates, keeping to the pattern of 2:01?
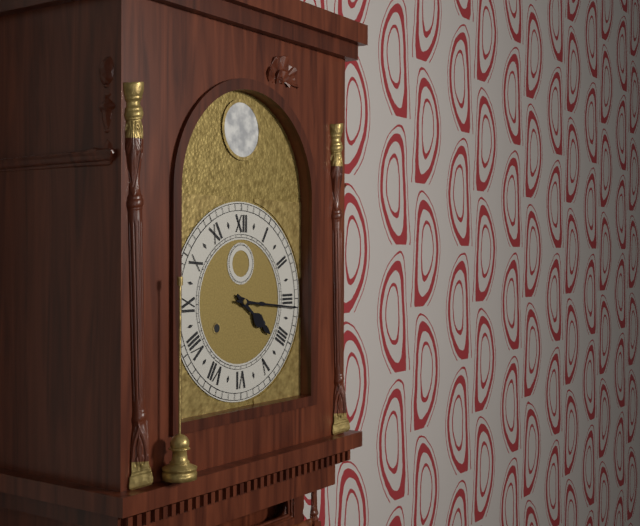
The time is 4:16
